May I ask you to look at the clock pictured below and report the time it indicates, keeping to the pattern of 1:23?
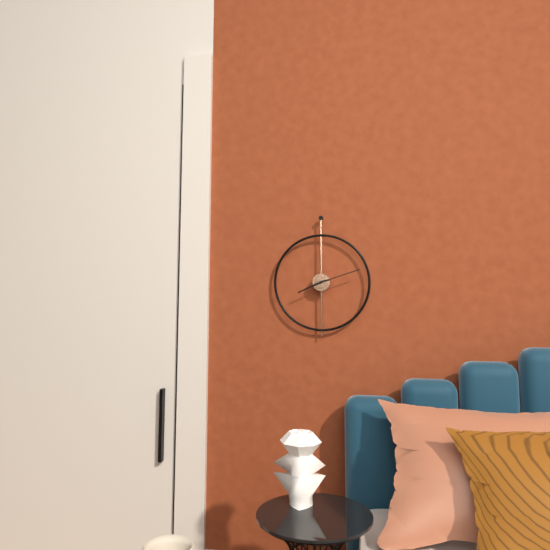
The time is 8:12
